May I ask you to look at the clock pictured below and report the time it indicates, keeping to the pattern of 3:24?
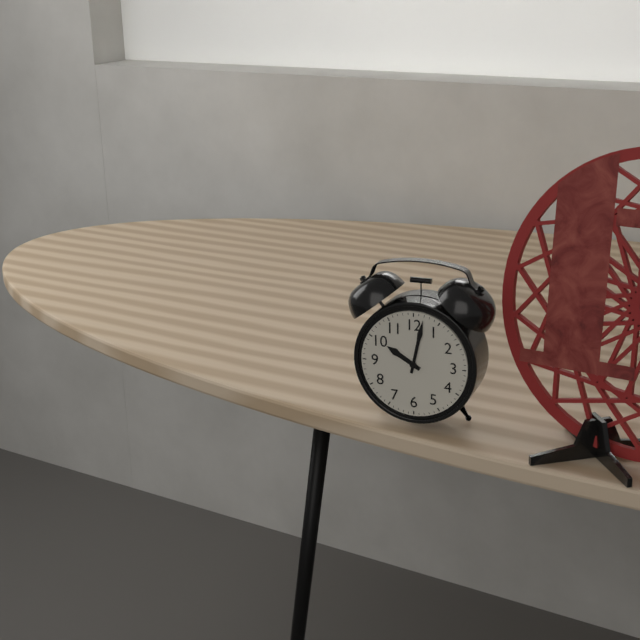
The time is 10:02
